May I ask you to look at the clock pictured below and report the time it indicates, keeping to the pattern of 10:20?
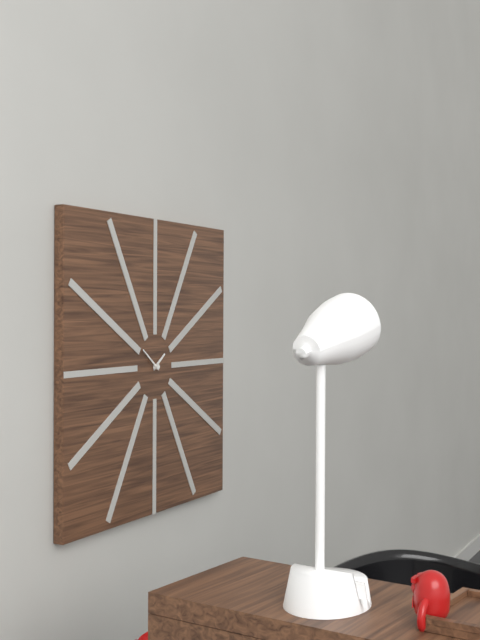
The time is 1:51
